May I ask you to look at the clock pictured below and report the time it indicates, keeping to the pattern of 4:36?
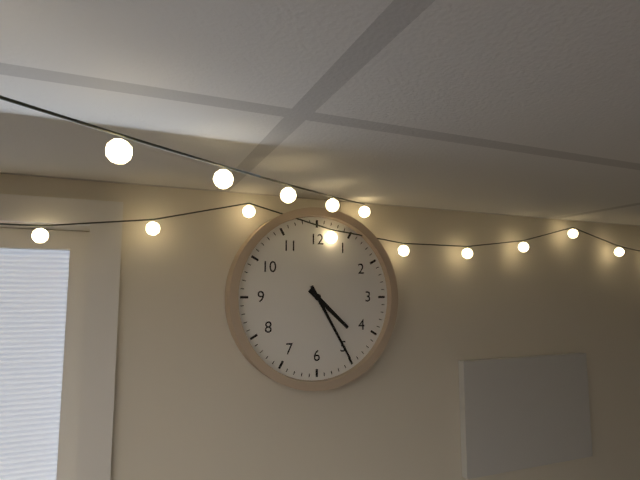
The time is 4:25
